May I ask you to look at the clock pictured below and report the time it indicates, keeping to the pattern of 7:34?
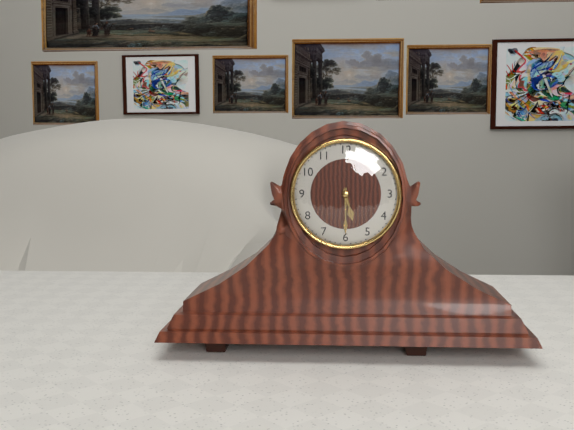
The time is 5:30
